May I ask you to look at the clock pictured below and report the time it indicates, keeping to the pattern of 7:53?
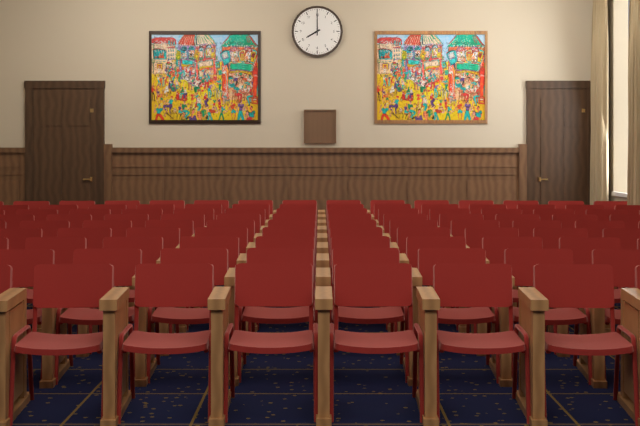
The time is 8:00
